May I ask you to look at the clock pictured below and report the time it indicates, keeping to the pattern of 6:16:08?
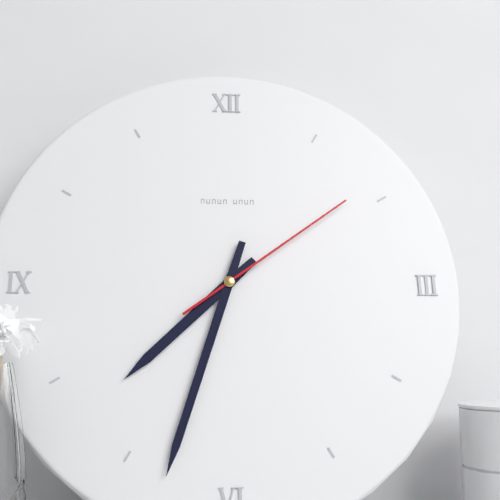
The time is 7:33:09
